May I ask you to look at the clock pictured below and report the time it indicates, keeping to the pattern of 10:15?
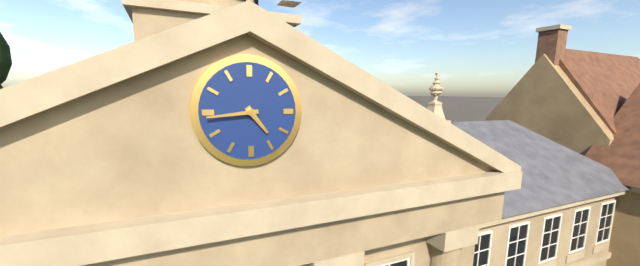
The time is 4:44
